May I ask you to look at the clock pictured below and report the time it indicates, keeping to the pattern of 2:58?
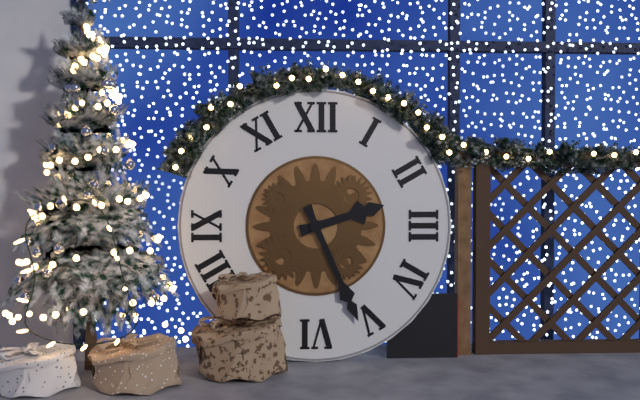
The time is 2:26
